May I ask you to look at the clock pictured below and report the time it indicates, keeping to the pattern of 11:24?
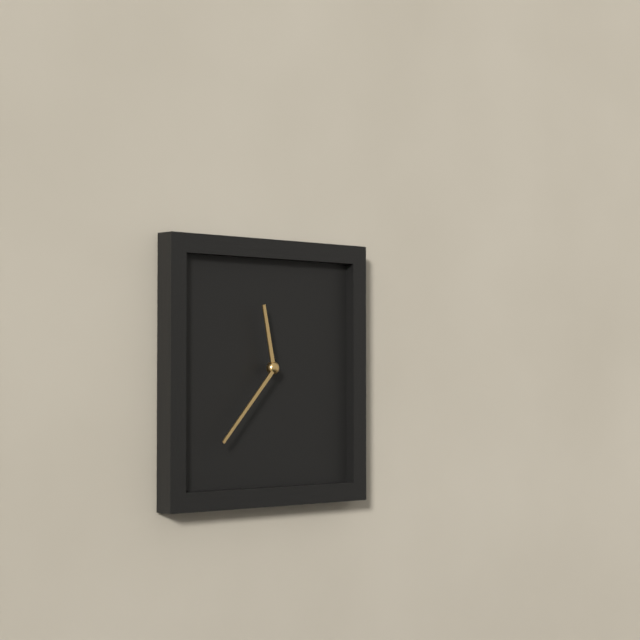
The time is 11:37
